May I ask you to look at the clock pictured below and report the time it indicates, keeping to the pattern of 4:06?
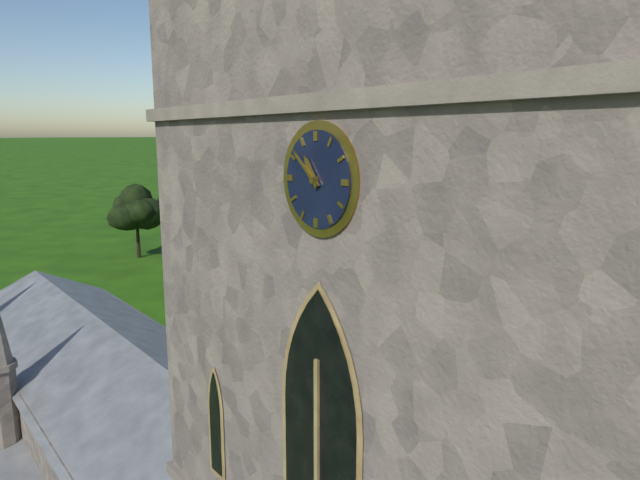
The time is 10:52
